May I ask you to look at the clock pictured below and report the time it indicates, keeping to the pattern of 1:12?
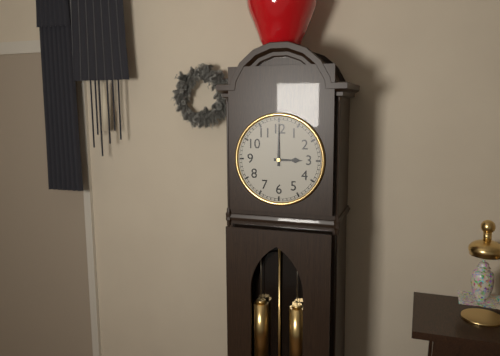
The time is 3:00
